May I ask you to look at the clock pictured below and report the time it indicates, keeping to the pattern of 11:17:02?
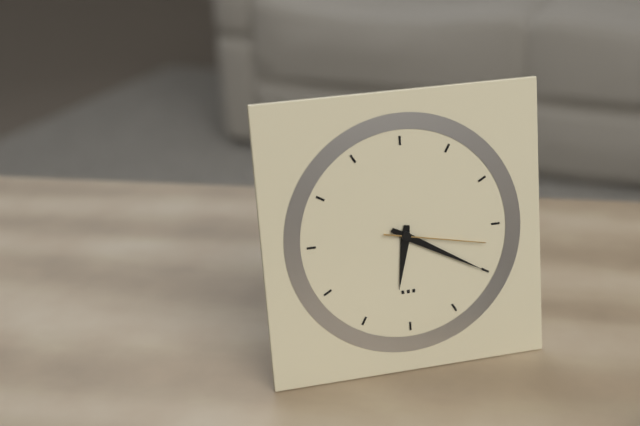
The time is 6:20:17
